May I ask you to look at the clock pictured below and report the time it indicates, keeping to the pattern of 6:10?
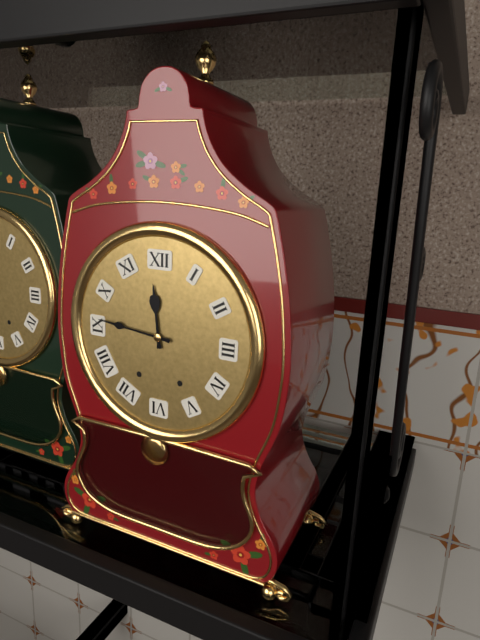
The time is 11:46
